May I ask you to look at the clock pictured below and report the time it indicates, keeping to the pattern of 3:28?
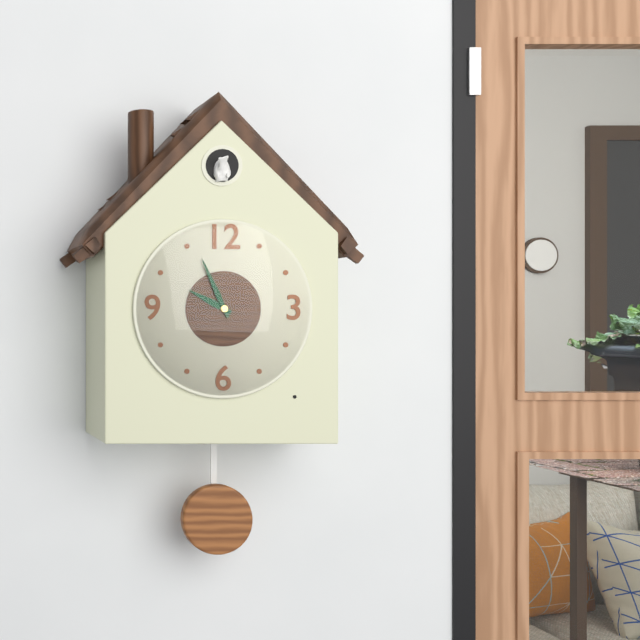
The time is 9:56
